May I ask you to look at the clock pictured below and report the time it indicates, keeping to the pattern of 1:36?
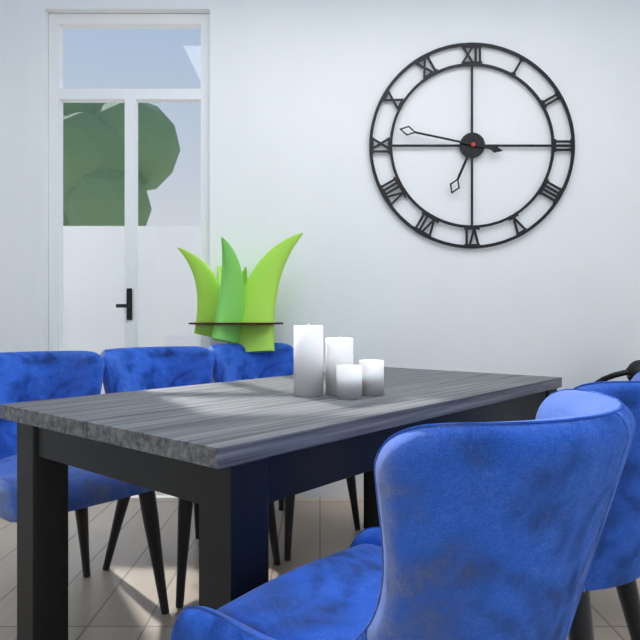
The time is 6:47
